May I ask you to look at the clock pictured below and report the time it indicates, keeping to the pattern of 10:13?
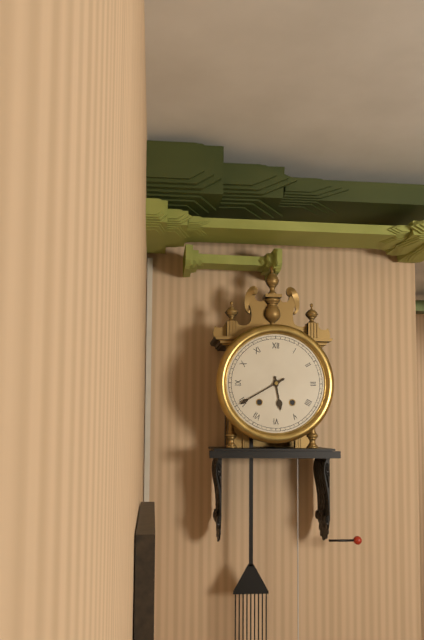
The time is 5:40
